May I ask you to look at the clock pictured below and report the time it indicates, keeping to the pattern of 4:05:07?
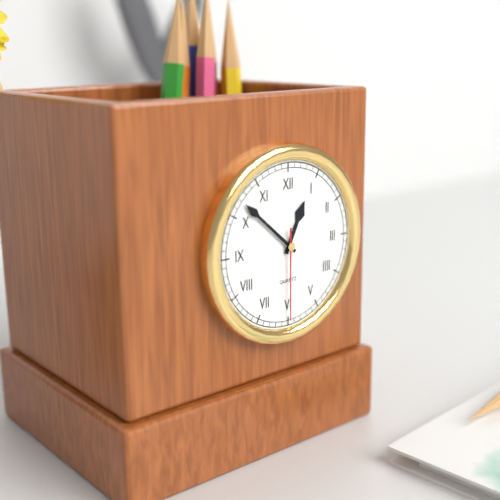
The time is 12:52:30
